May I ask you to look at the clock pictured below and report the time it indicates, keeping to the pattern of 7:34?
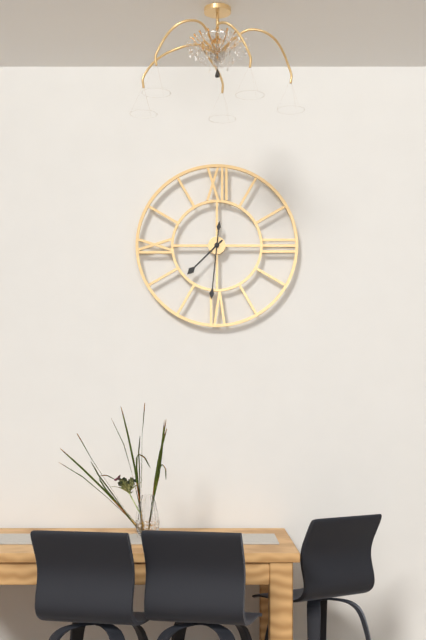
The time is 7:31
